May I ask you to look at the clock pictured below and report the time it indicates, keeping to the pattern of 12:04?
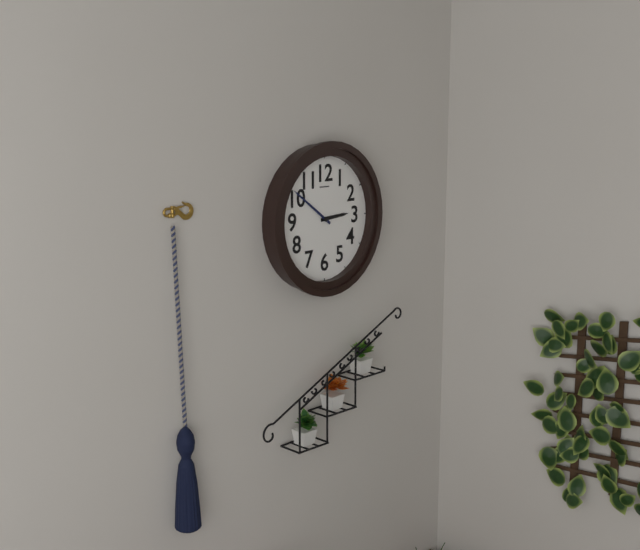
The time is 2:51
